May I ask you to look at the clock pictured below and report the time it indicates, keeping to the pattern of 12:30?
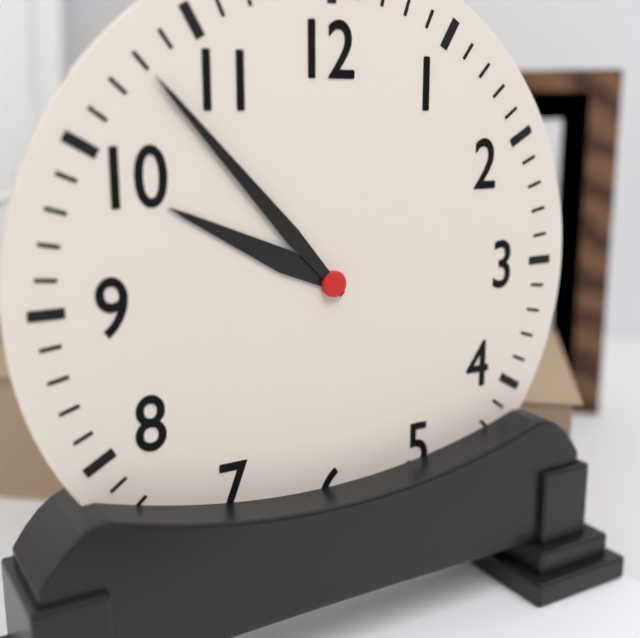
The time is 9:53
